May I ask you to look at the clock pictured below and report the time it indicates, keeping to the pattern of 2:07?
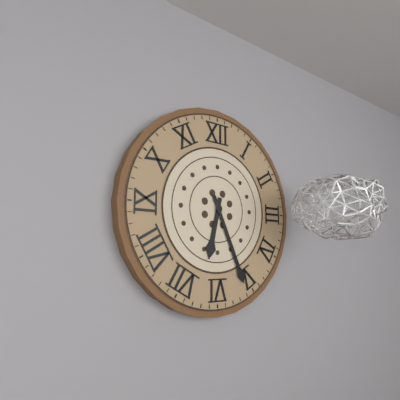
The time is 6:26
